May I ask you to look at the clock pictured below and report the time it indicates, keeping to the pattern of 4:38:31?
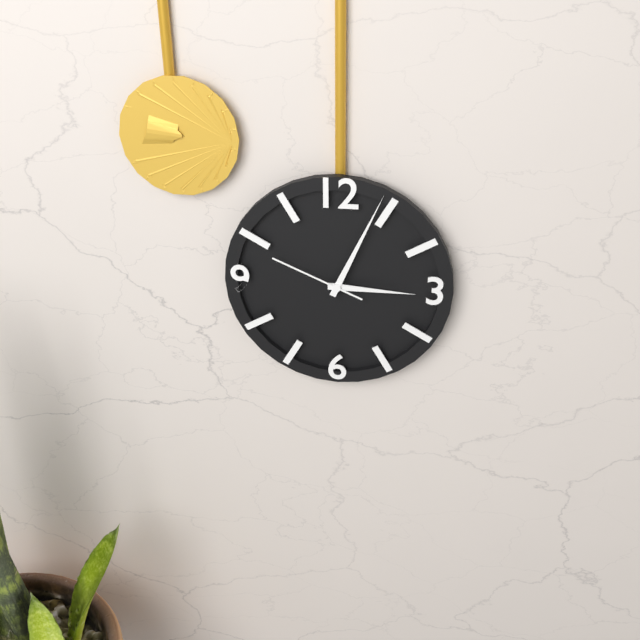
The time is 3:04:49
